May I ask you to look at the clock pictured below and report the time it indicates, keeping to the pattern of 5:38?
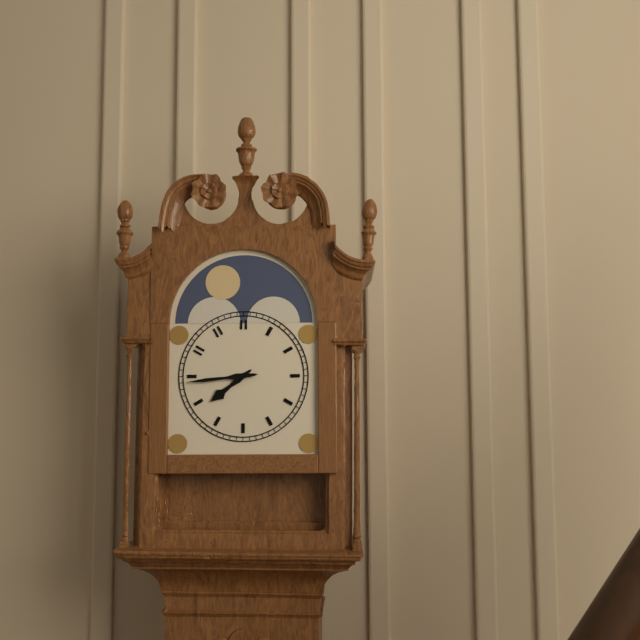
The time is 7:44
